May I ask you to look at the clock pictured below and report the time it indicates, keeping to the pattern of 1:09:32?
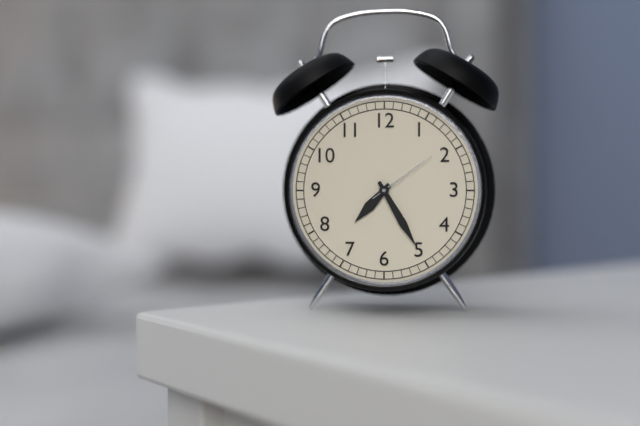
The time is 7:25:09
